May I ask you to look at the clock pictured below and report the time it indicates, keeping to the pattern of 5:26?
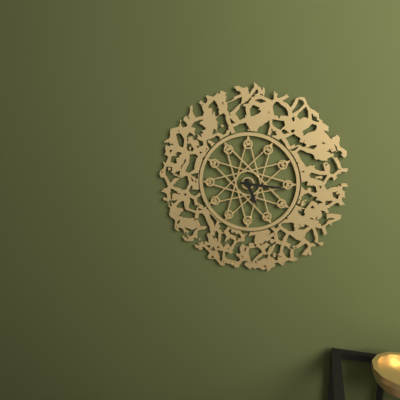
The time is 5:16
